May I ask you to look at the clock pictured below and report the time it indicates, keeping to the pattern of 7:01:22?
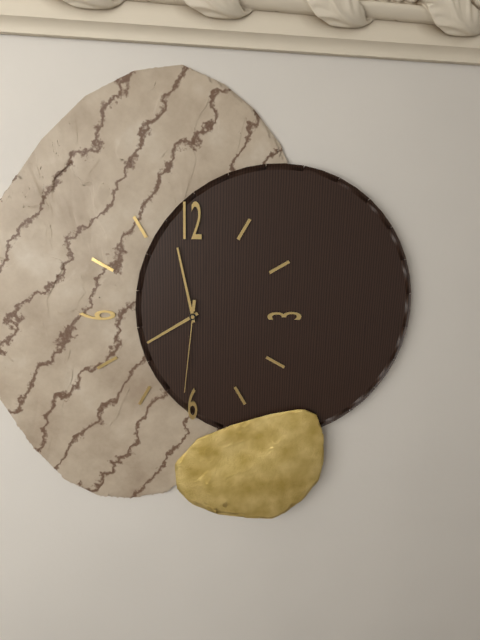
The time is 7:58:31
